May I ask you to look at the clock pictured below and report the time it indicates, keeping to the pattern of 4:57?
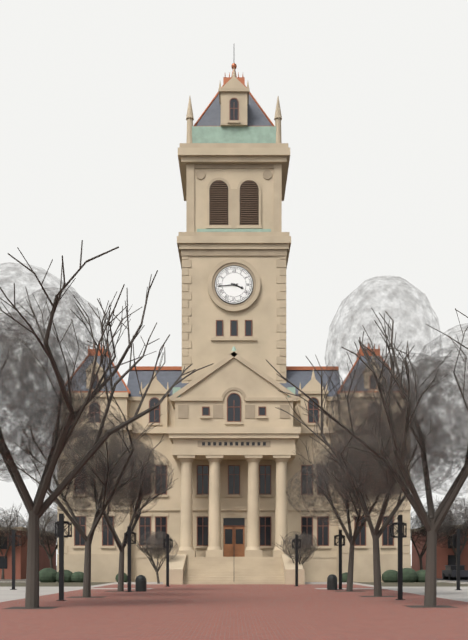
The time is 3:44
